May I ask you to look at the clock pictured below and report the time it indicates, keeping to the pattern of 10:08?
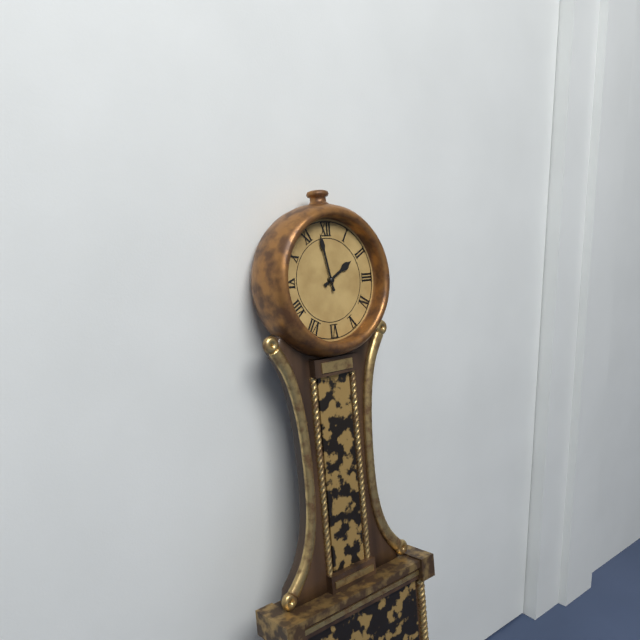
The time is 1:58
